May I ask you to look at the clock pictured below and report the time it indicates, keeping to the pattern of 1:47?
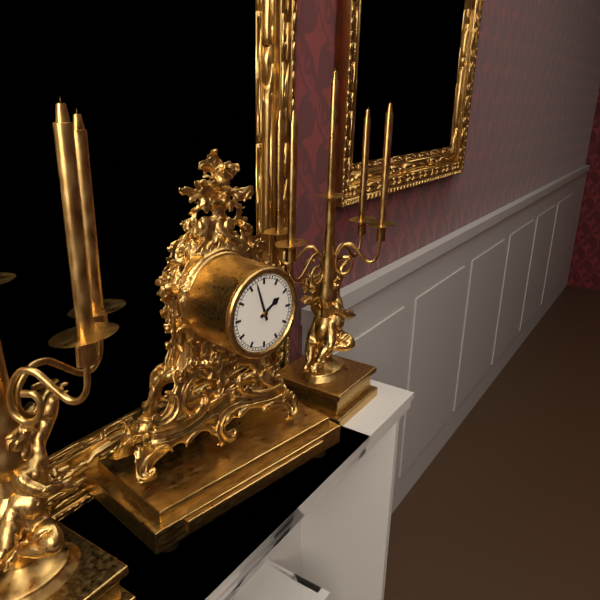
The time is 1:57
